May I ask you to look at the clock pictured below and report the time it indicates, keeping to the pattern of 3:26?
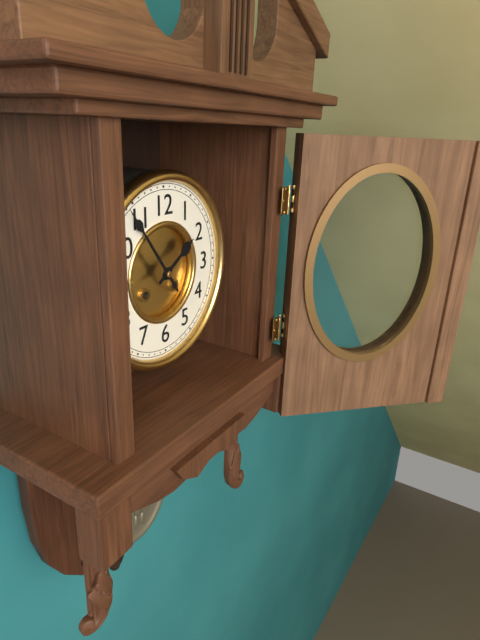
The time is 1:54
